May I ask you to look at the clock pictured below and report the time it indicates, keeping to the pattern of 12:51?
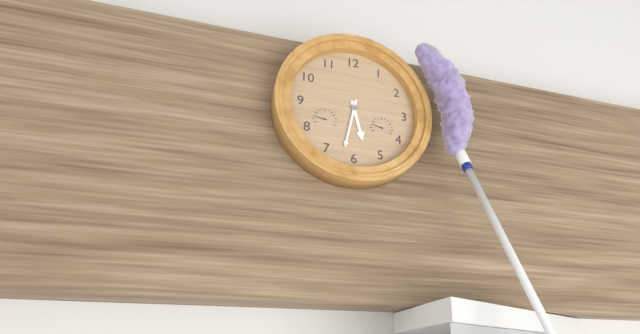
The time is 5:32
